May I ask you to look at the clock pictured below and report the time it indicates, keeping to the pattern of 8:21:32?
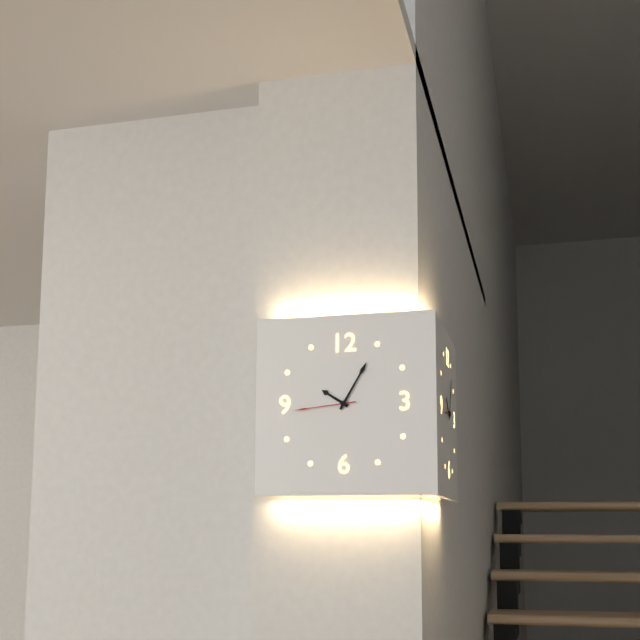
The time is 10:05:44
